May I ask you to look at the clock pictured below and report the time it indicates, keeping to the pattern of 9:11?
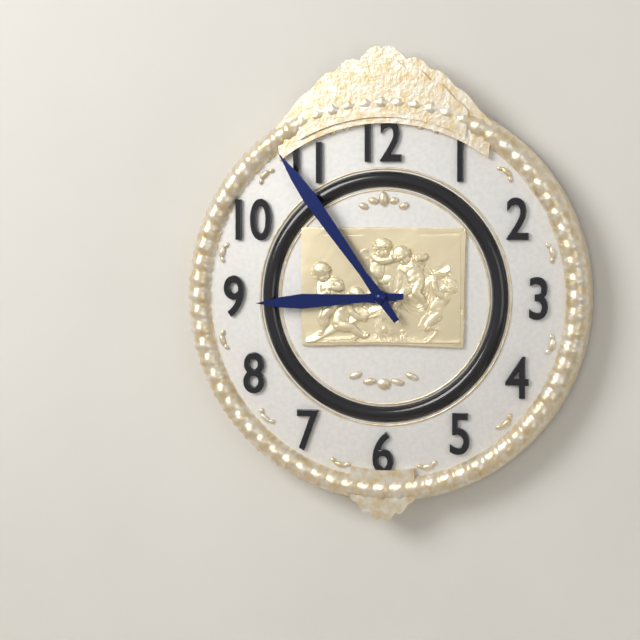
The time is 8:54
